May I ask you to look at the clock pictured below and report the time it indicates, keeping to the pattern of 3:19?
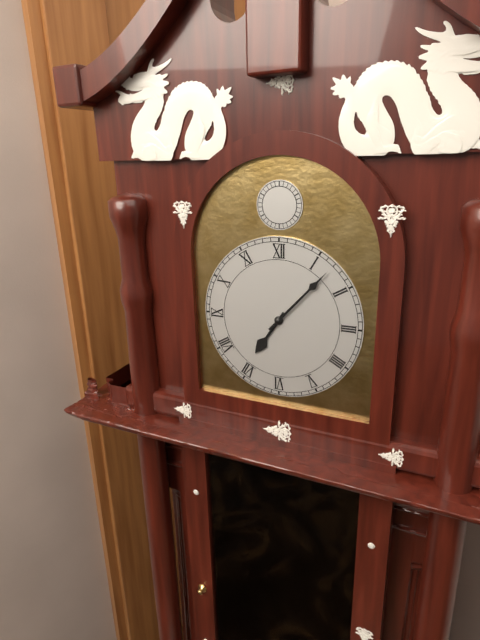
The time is 7:07
